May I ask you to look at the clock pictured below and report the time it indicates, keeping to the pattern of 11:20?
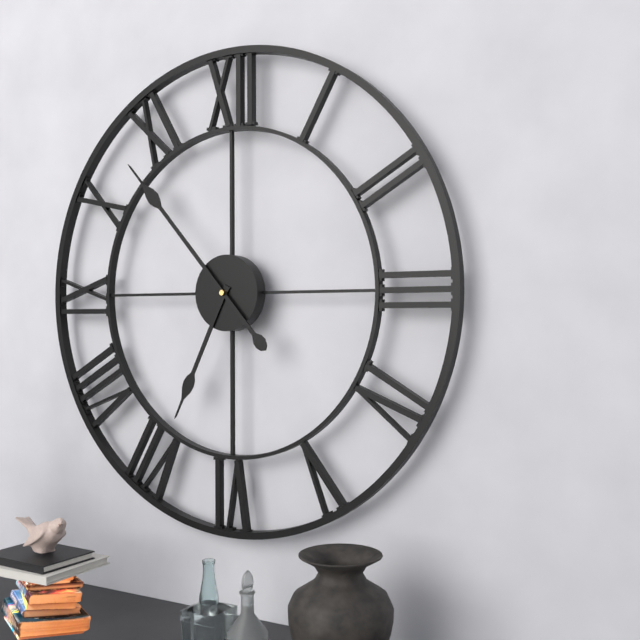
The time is 6:53
